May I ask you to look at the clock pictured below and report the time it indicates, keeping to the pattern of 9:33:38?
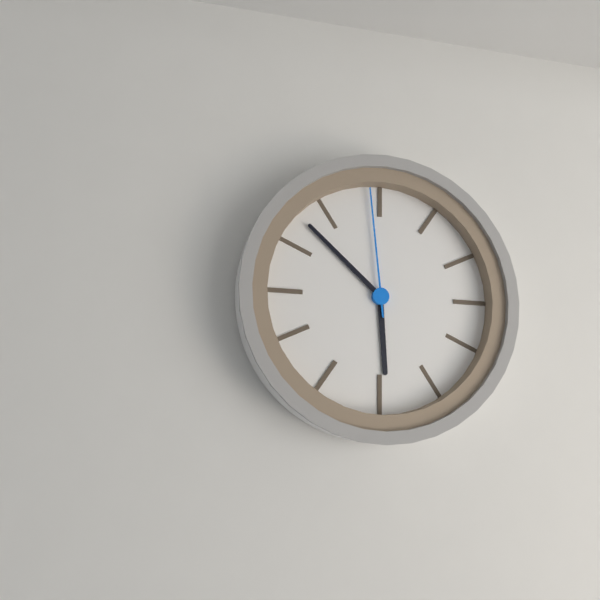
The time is 5:52:59
